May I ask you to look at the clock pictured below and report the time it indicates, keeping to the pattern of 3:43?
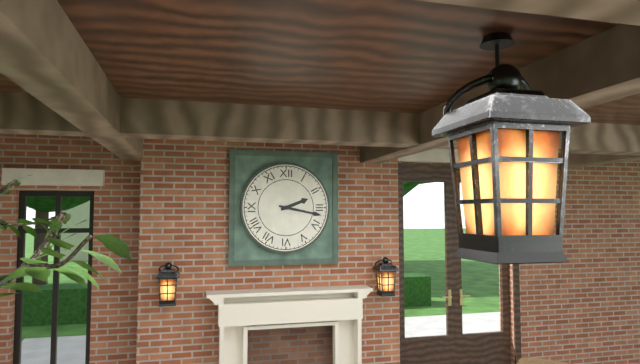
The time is 2:17
